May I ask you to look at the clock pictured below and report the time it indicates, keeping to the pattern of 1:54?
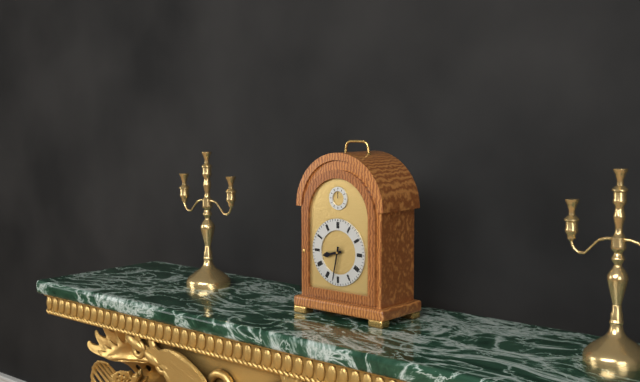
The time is 8:32
